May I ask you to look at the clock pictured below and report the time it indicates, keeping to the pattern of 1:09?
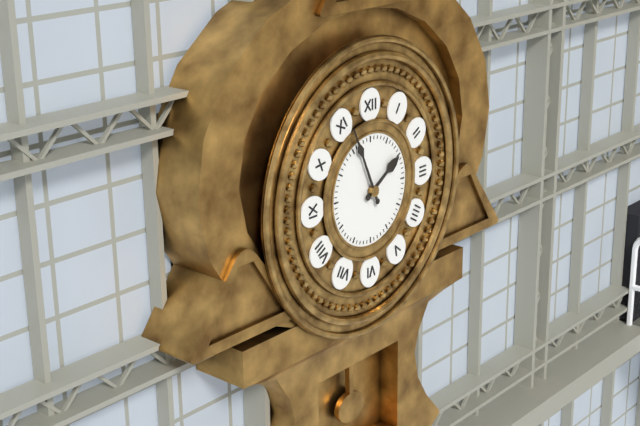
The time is 1:56
